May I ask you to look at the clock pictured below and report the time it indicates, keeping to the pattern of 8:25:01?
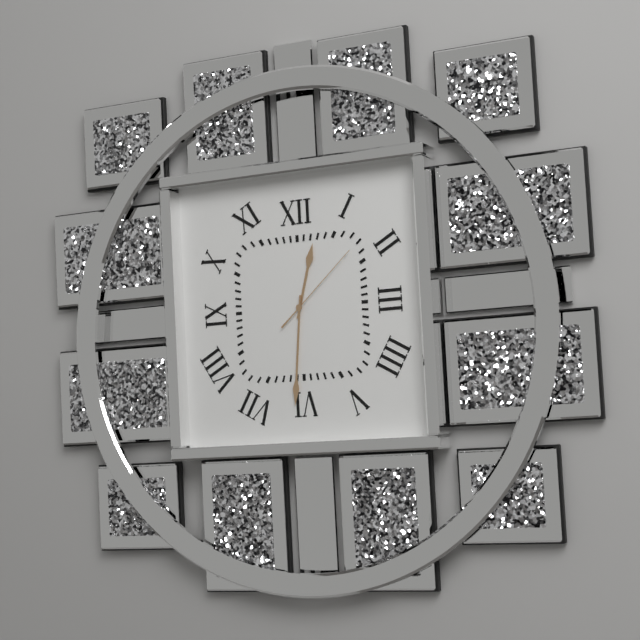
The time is 12:31:08
